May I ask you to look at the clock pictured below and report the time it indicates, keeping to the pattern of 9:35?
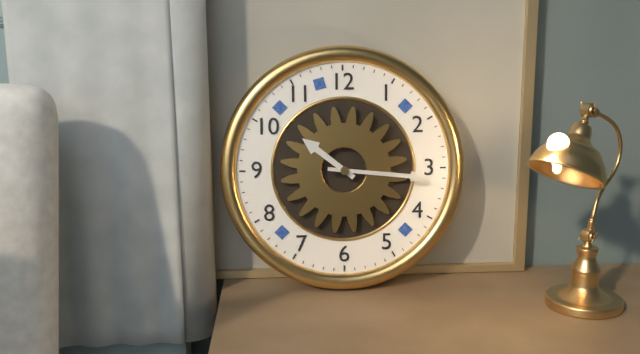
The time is 10:16
